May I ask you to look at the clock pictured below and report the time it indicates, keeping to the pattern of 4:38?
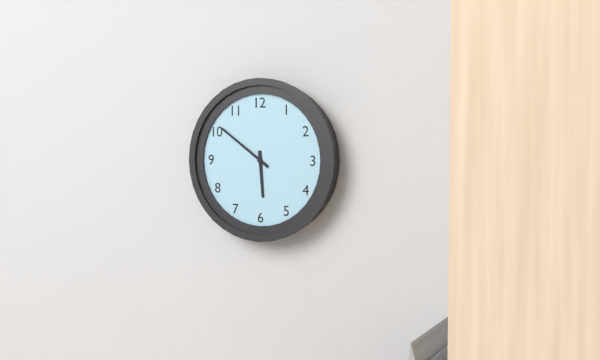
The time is 5:51
